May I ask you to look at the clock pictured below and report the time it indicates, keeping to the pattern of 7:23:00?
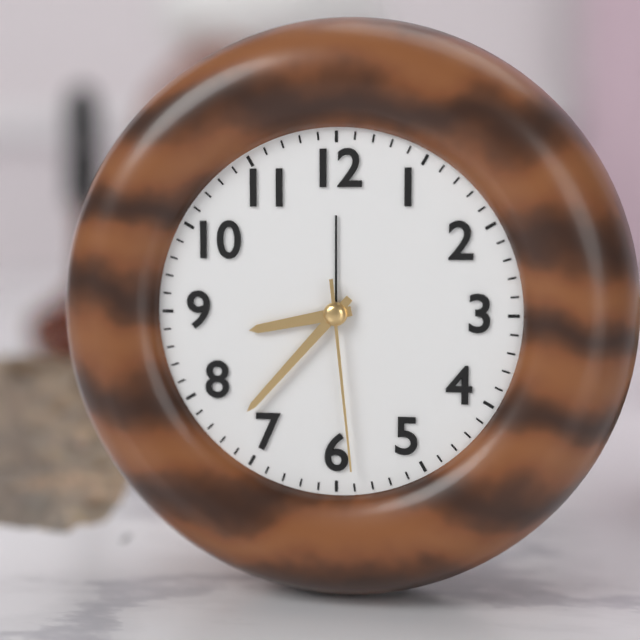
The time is 8:37:29
